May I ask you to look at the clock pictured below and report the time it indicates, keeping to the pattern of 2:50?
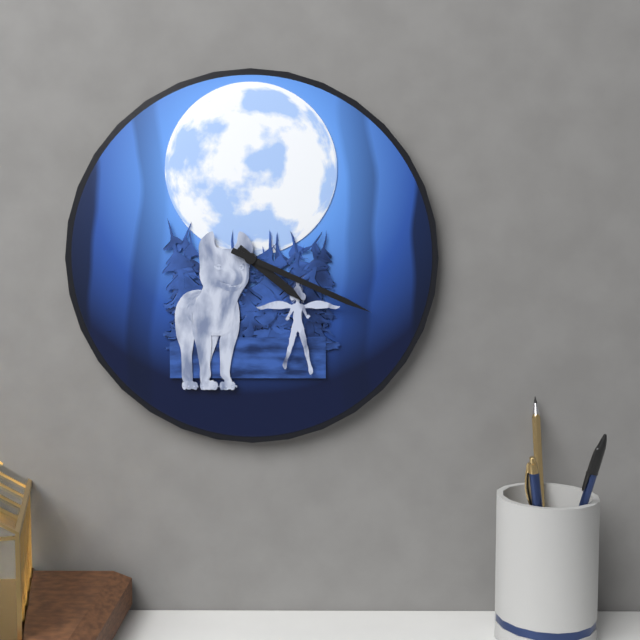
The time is 4:19
